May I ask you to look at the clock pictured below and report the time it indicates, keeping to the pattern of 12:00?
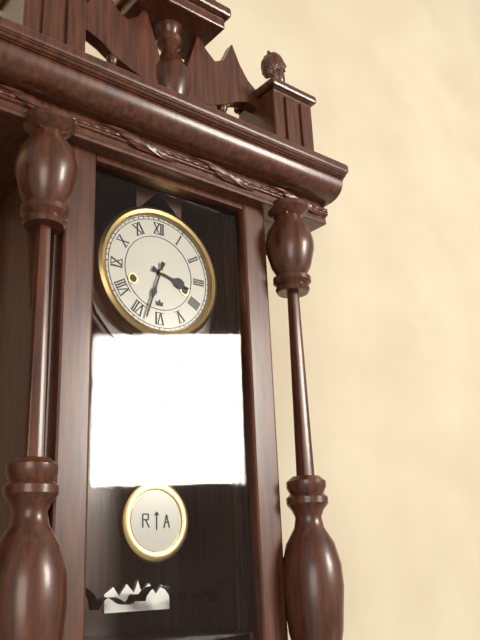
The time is 3:33
